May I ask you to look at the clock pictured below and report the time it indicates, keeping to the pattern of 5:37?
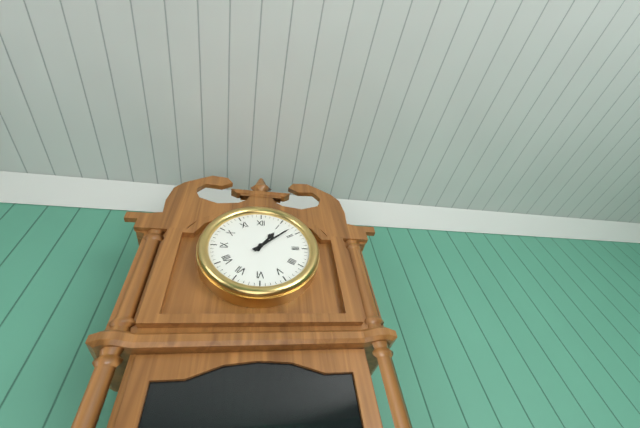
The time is 1:08
